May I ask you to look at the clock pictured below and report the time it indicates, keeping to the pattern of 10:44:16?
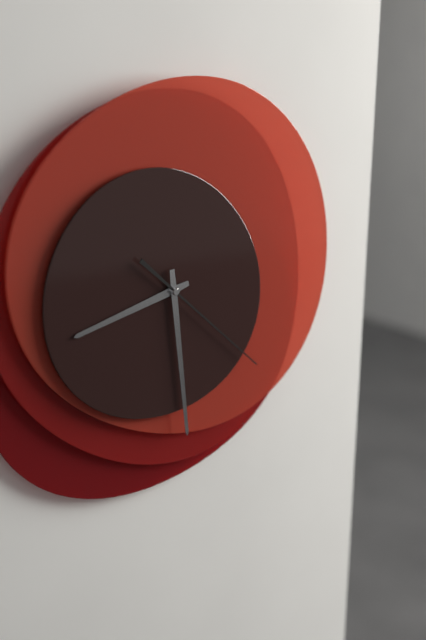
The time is 8:29:22
